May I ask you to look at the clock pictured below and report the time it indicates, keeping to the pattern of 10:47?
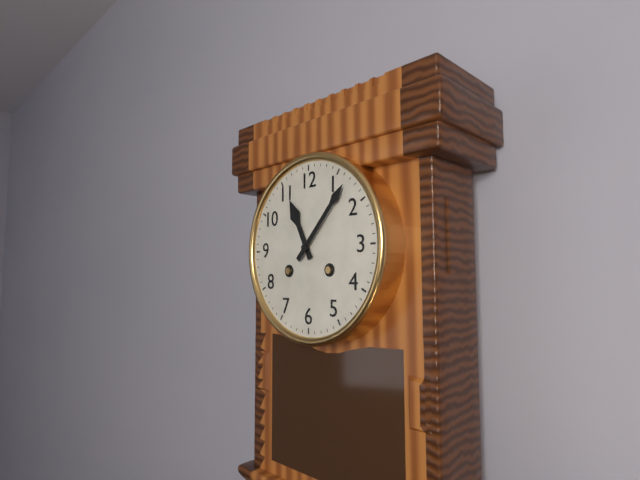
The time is 11:07
